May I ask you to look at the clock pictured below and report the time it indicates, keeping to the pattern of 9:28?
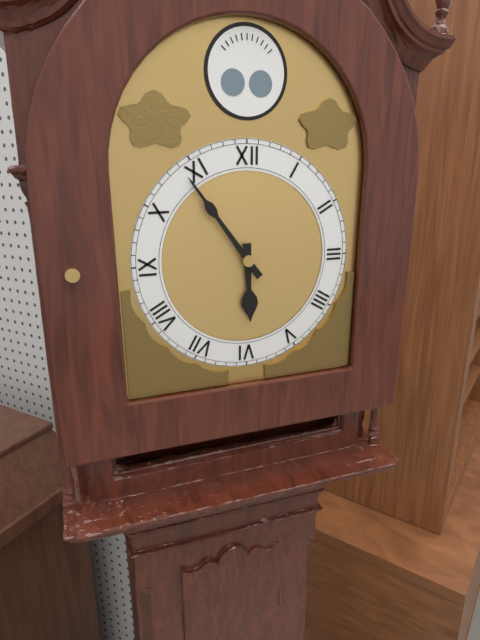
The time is 5:54
